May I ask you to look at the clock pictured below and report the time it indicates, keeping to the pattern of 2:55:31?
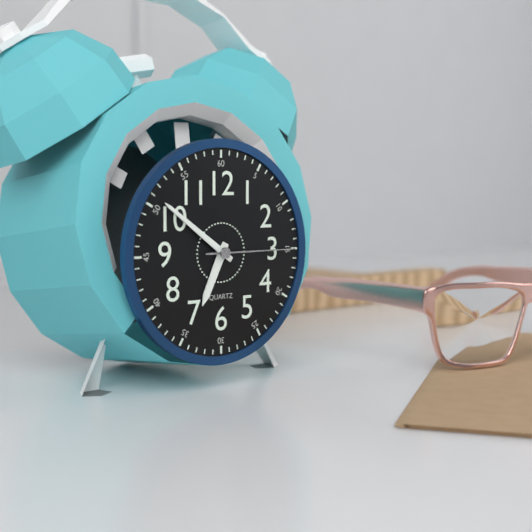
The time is 6:51:15
